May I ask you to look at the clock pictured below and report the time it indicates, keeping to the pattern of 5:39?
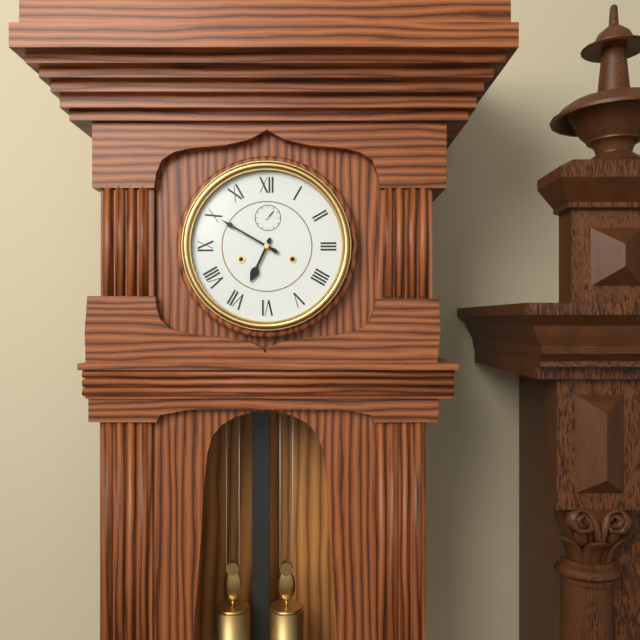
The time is 6:50
